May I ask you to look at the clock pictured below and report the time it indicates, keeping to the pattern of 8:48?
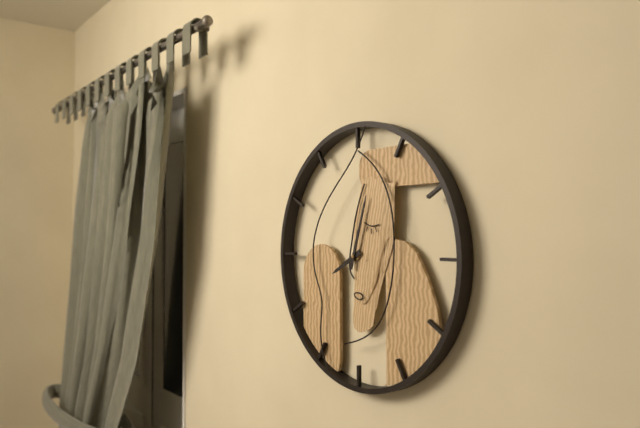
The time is 8:03
